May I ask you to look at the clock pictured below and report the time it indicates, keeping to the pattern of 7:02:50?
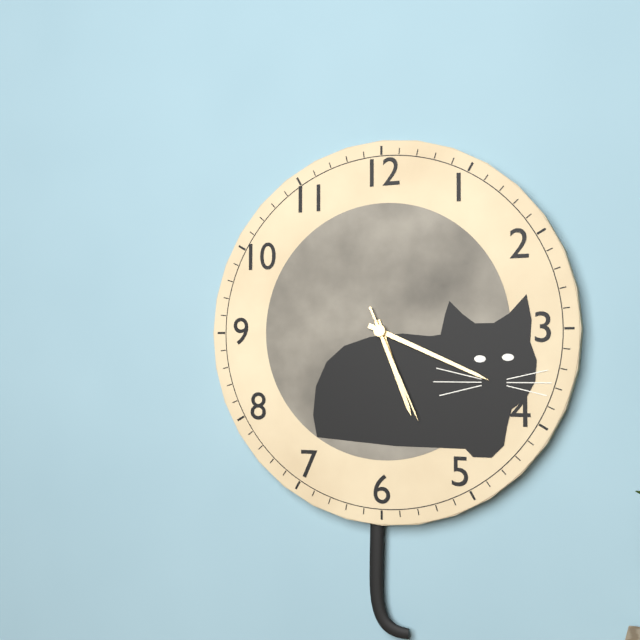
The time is 5:19:26
